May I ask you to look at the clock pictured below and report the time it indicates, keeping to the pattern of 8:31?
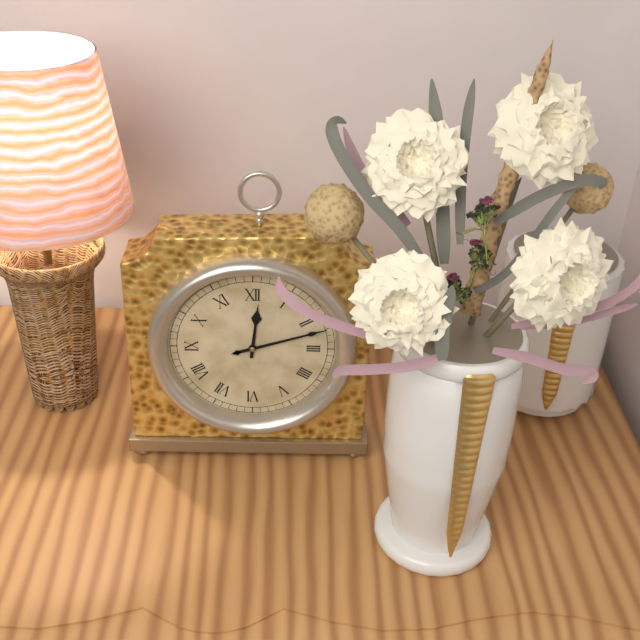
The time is 12:12
